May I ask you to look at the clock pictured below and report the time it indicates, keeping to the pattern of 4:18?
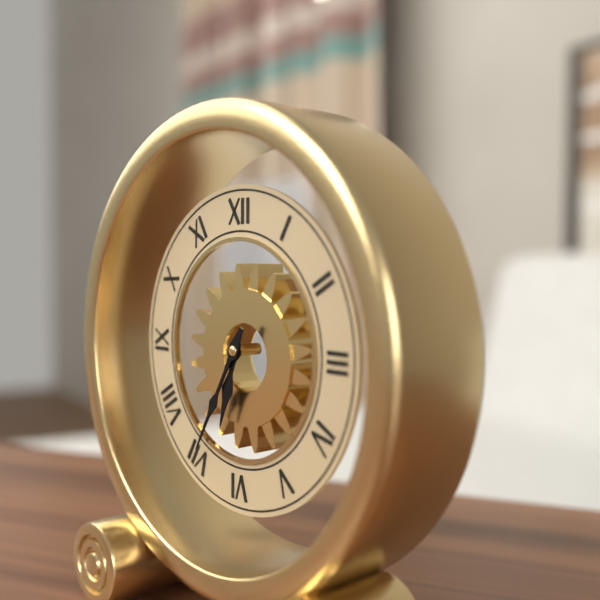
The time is 6:35
